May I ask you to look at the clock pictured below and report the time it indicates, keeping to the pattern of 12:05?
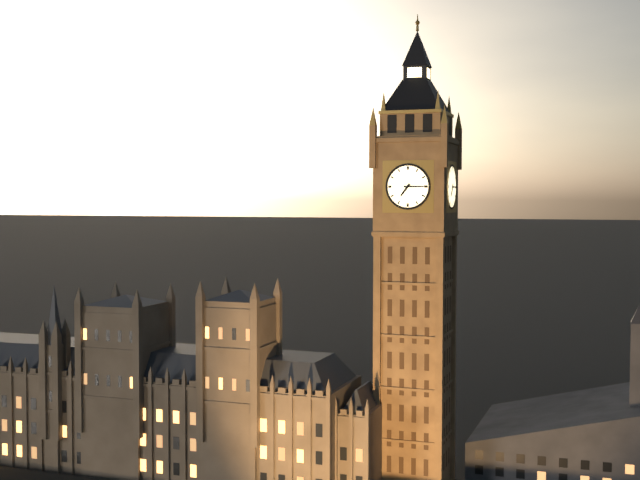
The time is 7:15
